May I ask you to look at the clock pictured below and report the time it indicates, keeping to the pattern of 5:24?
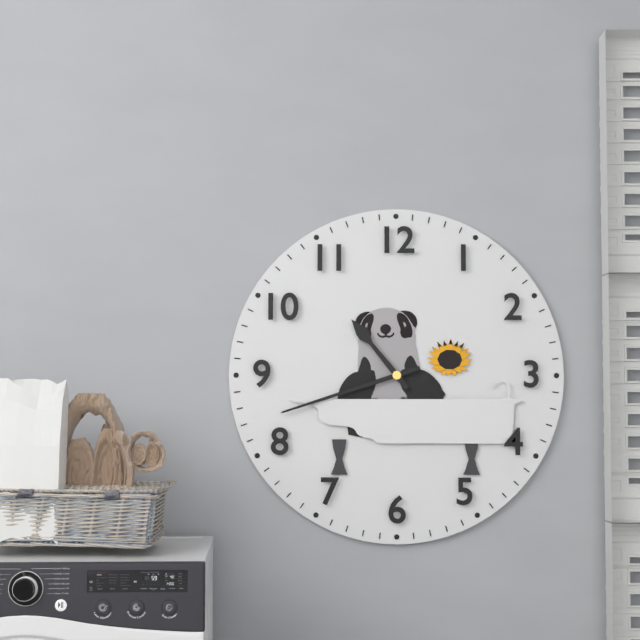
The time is 10:42
